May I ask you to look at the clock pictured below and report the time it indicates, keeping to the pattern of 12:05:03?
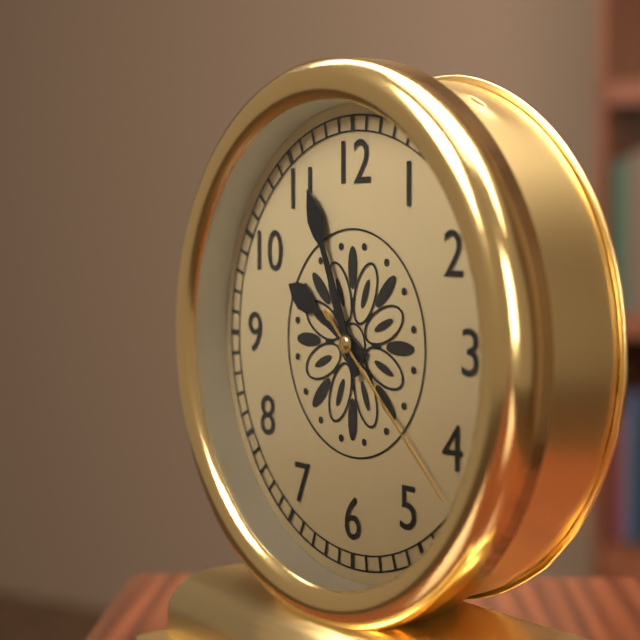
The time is 9:56:22
